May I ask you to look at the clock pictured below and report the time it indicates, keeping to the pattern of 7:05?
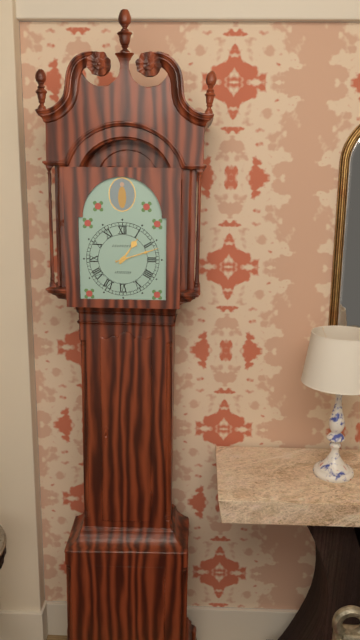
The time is 1:12
